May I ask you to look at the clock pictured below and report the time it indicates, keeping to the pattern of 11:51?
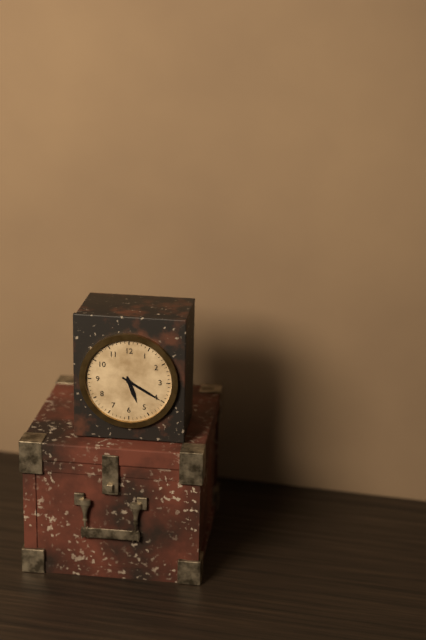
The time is 5:20
